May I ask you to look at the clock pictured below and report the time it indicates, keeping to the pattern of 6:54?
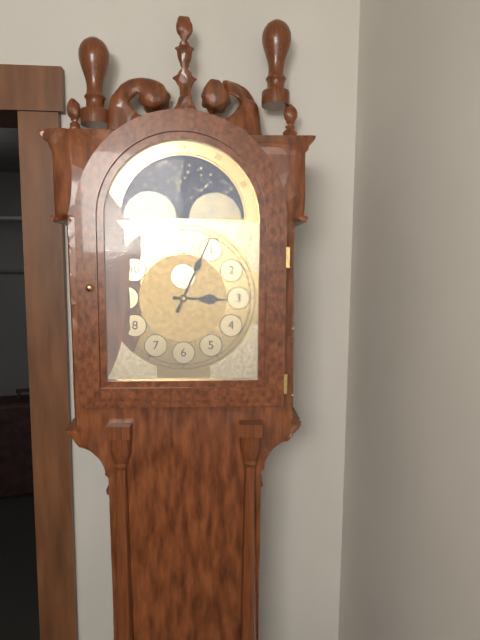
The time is 3:04
